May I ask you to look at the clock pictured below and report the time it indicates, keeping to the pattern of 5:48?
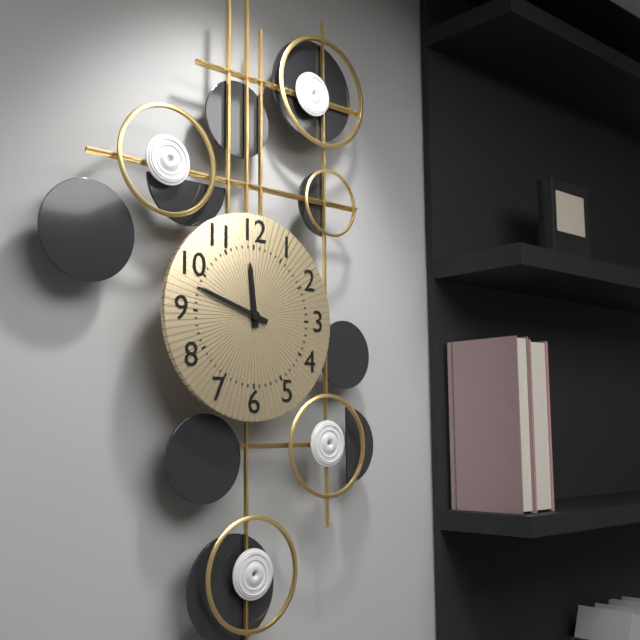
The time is 11:48
